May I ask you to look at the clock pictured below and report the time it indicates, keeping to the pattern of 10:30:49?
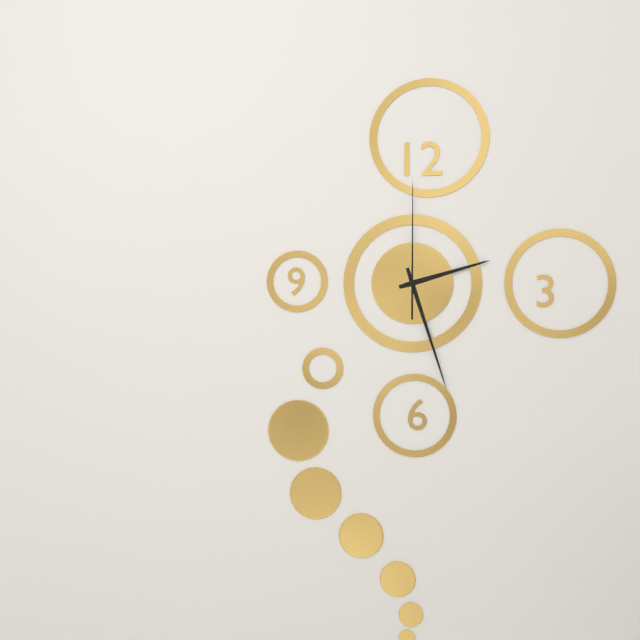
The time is 2:27:00
